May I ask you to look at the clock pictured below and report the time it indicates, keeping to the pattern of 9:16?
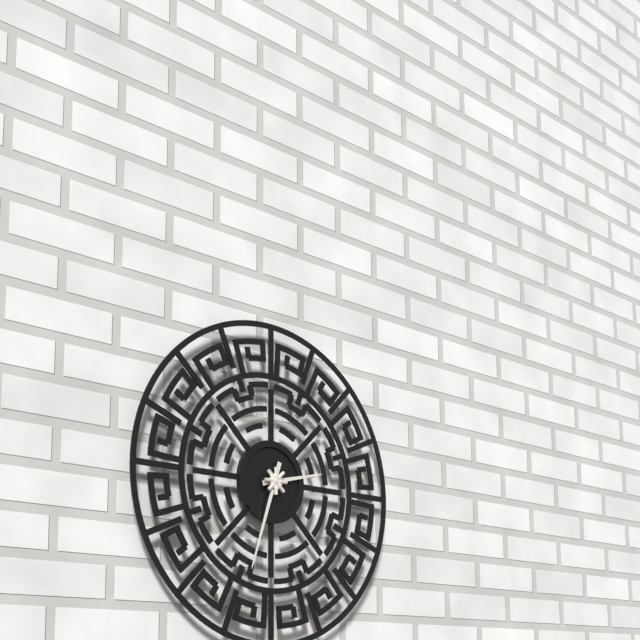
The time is 2:33
